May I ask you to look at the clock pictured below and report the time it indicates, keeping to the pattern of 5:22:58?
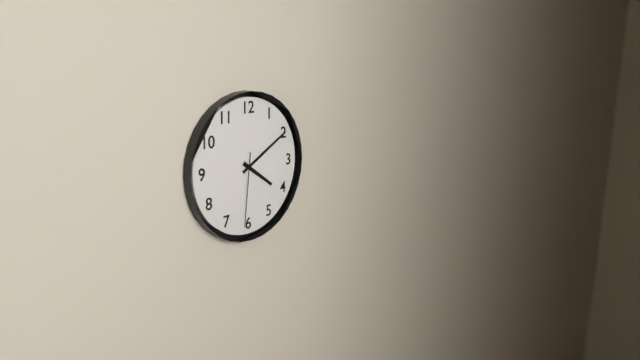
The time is 4:10:31
